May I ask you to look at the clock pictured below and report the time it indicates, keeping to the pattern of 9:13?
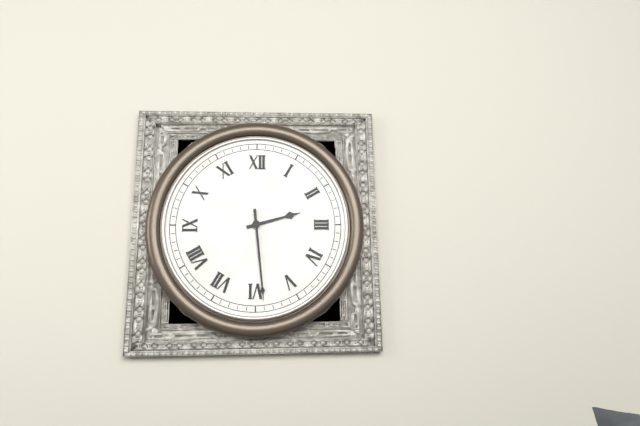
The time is 2:29
